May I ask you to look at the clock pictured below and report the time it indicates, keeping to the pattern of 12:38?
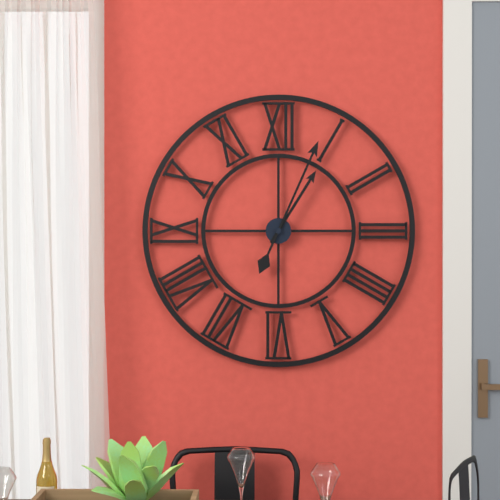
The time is 1:04
